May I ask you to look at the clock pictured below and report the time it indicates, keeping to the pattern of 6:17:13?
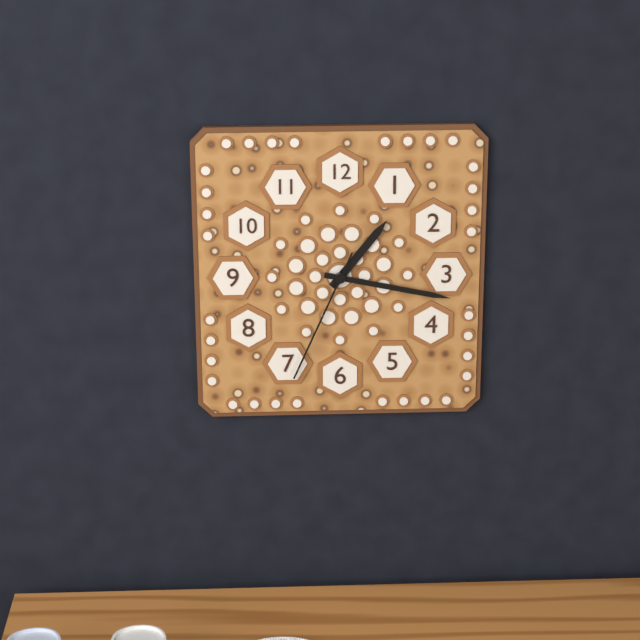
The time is 1:17:34
